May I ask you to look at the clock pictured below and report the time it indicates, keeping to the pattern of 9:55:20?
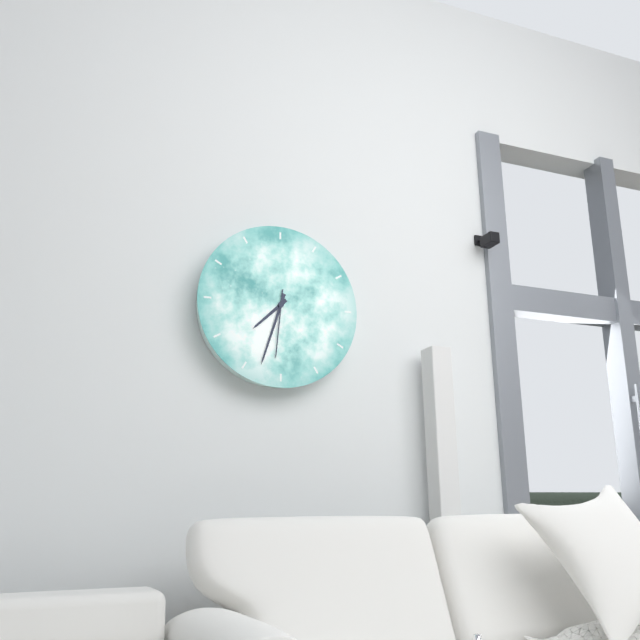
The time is 7:33:31
